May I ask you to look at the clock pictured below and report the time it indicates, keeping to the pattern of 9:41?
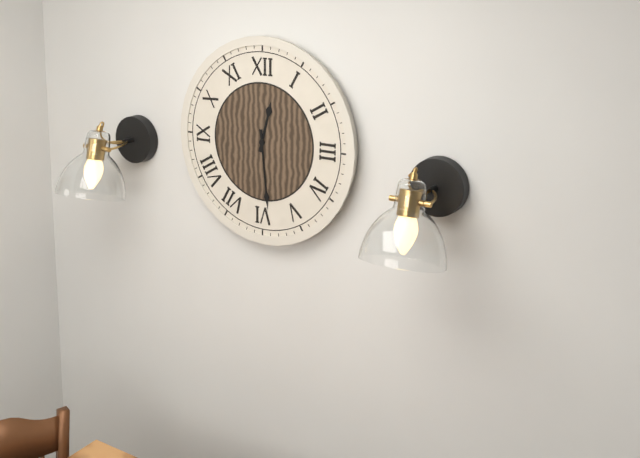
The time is 12:29
